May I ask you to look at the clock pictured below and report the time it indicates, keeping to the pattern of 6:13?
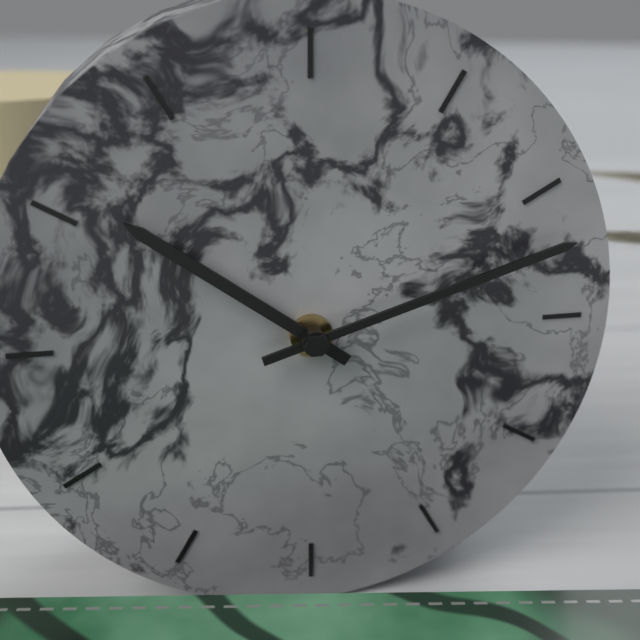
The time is 10:12
